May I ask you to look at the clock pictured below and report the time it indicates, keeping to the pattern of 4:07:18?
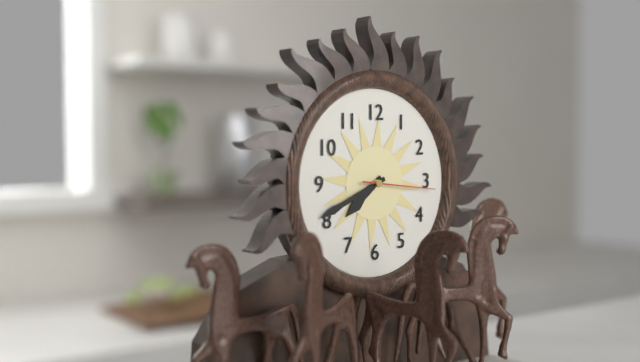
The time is 7:41:16
